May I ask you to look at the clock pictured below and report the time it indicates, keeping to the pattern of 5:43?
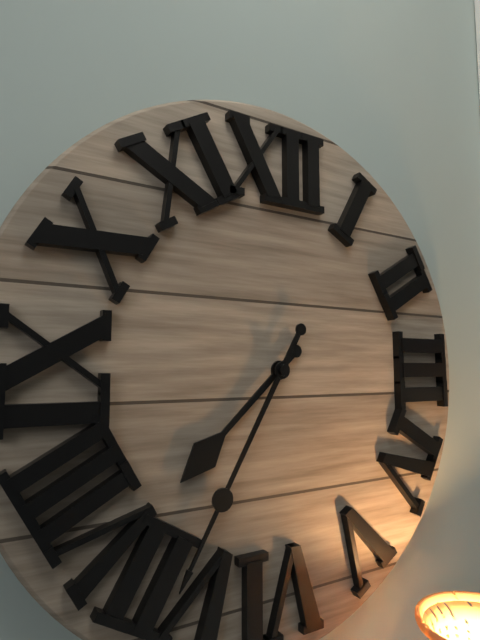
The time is 7:35
